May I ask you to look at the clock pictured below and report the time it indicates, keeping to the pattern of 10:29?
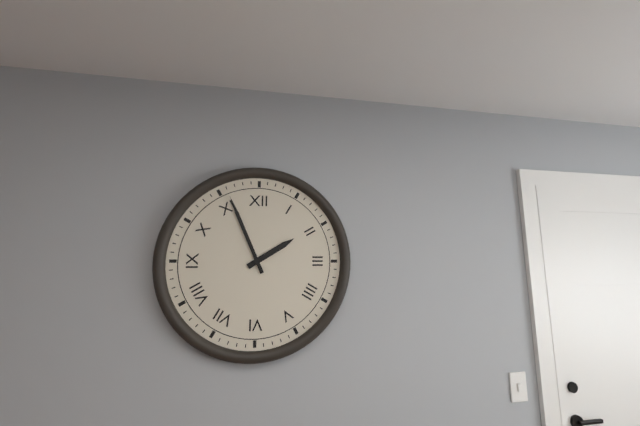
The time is 1:56
